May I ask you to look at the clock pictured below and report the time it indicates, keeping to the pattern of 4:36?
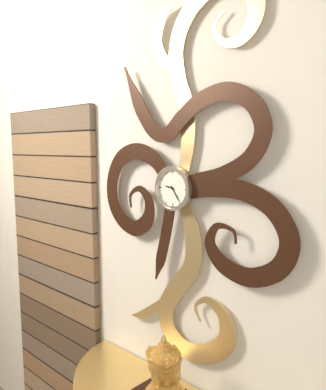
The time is 9:24
